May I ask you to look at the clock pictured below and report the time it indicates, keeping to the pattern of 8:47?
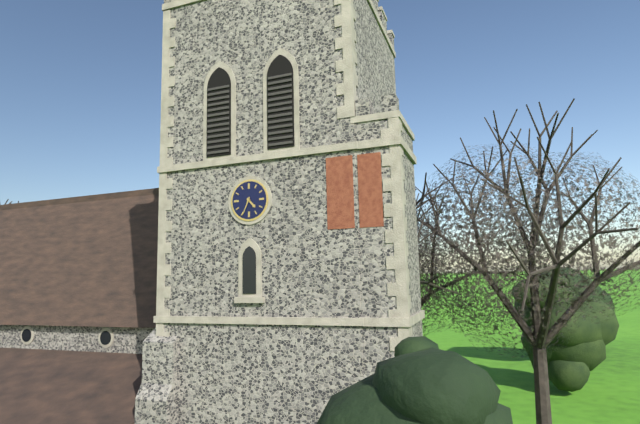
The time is 4:34
